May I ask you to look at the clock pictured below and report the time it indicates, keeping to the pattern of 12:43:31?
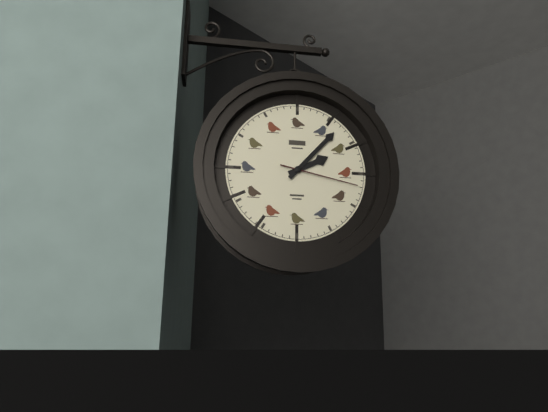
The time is 2:07:17
